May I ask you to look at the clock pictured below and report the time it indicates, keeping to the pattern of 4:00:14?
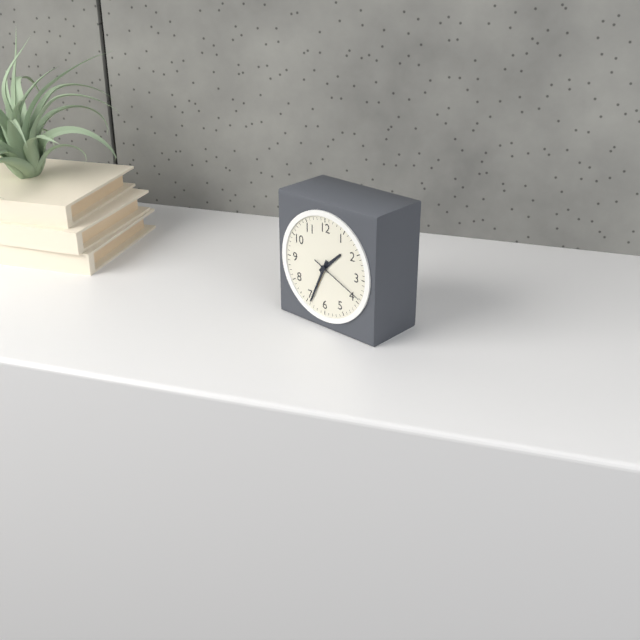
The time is 1:34:19
